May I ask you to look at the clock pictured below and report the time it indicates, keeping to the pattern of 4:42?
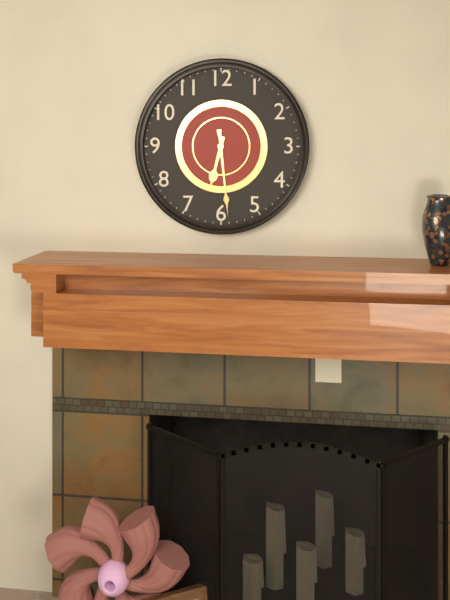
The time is 6:29
